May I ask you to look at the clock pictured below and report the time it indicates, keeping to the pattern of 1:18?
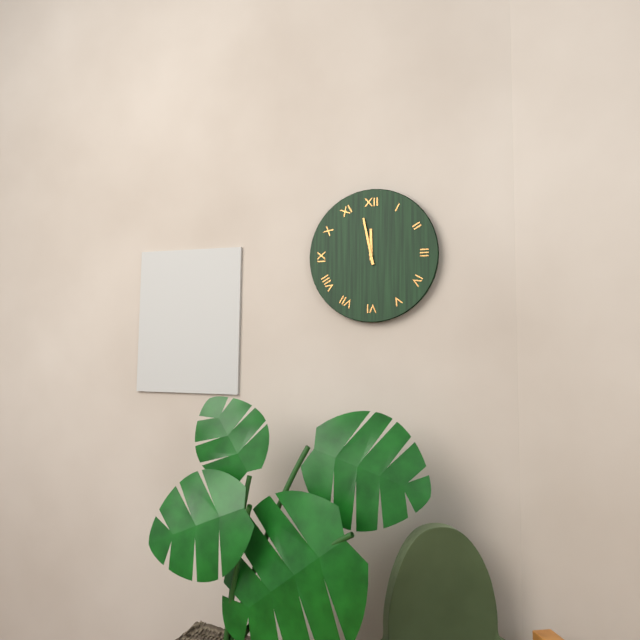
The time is 11:58
